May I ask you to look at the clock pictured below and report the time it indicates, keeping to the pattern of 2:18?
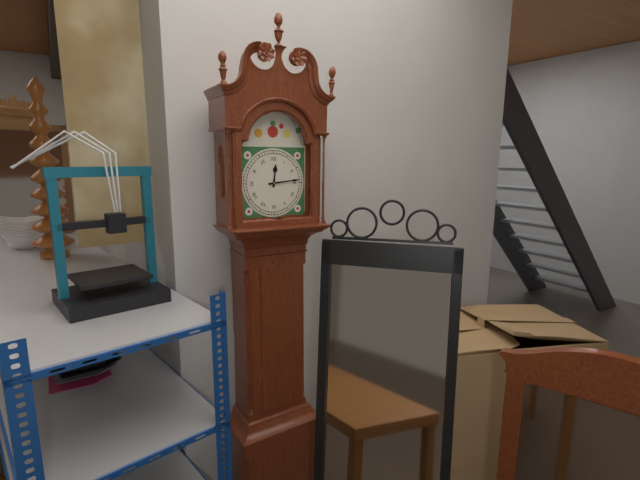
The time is 12:14
